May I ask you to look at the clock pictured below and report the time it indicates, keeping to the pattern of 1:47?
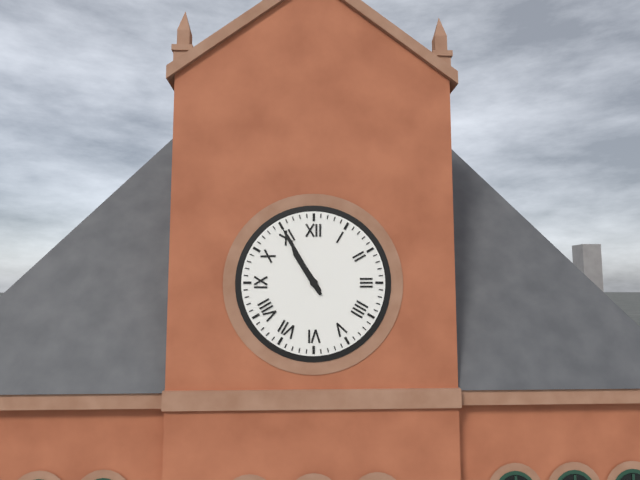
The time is 10:55
